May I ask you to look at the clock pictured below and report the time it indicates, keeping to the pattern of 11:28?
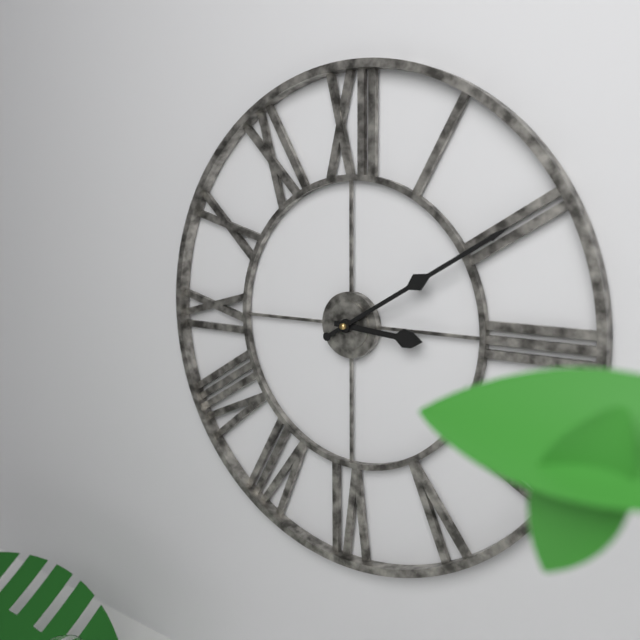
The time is 3:10
